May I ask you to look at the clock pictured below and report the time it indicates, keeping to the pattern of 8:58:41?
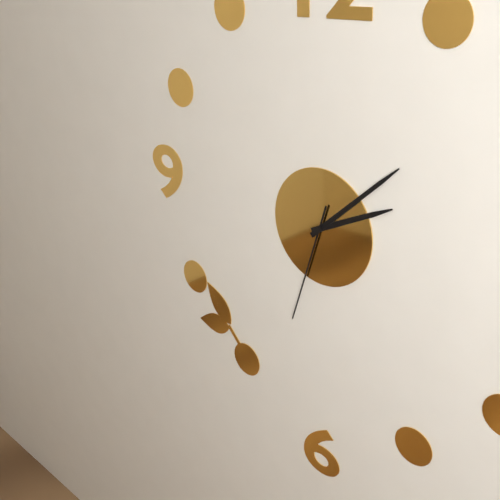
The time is 2:08:33
